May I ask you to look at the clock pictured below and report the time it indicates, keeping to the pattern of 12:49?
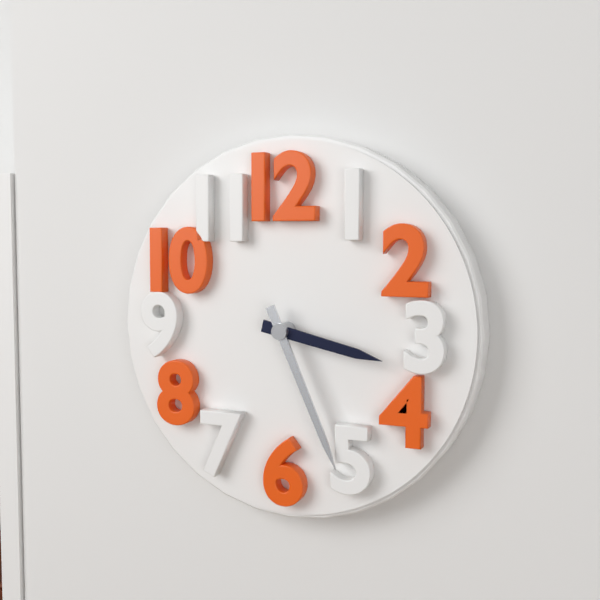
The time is 3:26
